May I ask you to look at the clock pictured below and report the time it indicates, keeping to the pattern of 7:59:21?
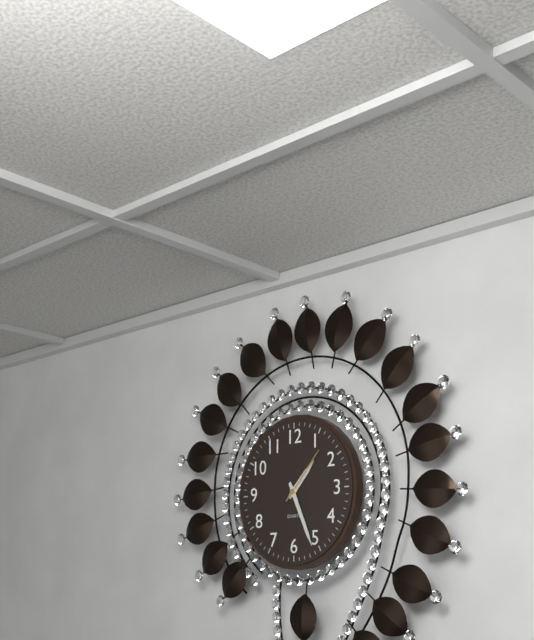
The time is 1:26:07
